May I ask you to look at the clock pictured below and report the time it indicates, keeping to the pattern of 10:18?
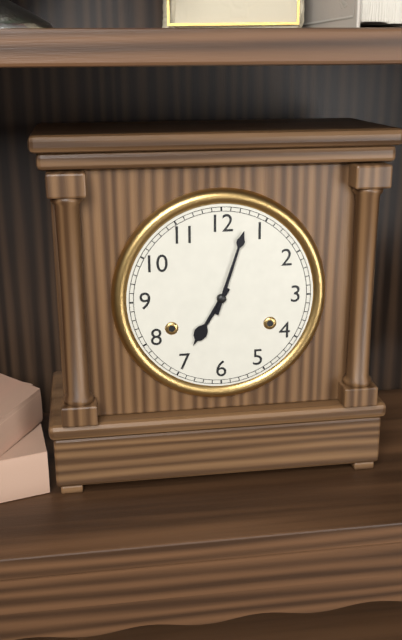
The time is 7:03
